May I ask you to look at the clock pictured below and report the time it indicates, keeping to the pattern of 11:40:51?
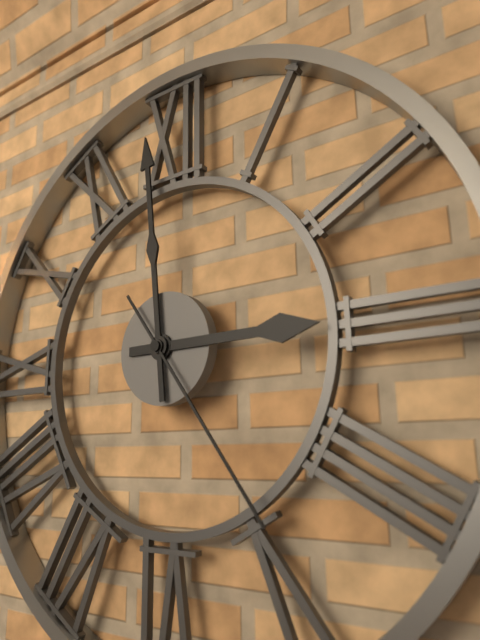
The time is 2:59:24
